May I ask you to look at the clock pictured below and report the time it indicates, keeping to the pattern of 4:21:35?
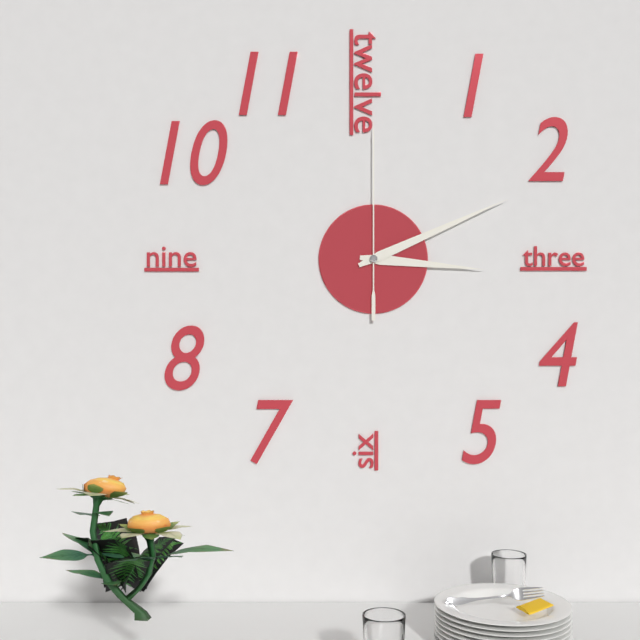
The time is 3:11:00
